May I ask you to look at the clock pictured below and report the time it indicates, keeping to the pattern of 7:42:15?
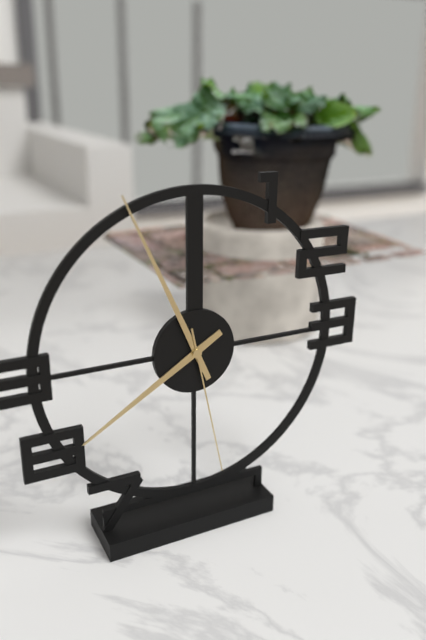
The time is 7:56:28
